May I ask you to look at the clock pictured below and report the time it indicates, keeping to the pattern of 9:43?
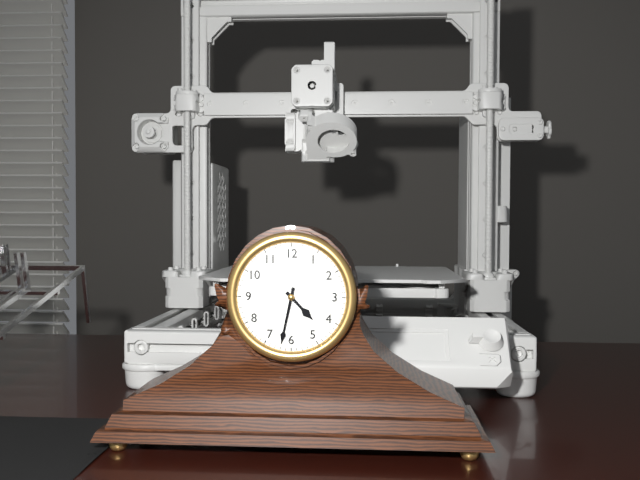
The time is 4:32
